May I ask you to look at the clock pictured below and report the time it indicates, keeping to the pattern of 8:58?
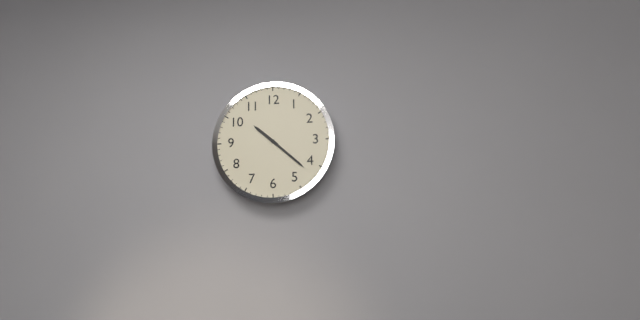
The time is 10:22
